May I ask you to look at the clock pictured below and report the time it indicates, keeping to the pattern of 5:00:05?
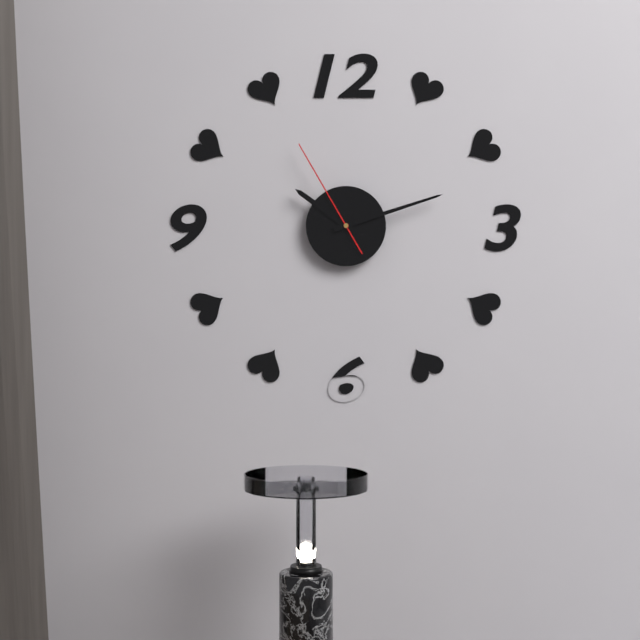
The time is 10:12:55
